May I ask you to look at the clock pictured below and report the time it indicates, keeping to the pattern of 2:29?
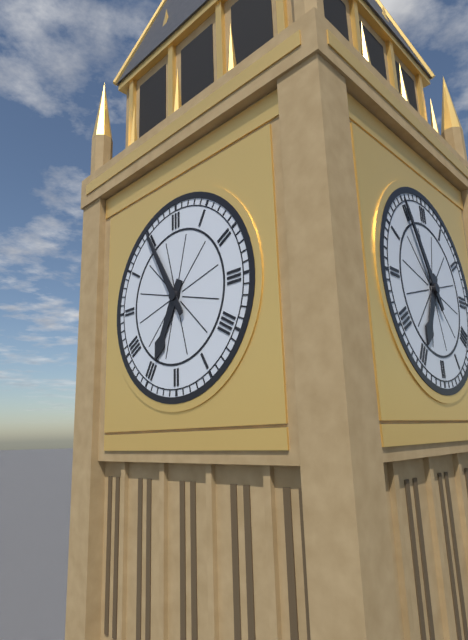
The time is 6:55
